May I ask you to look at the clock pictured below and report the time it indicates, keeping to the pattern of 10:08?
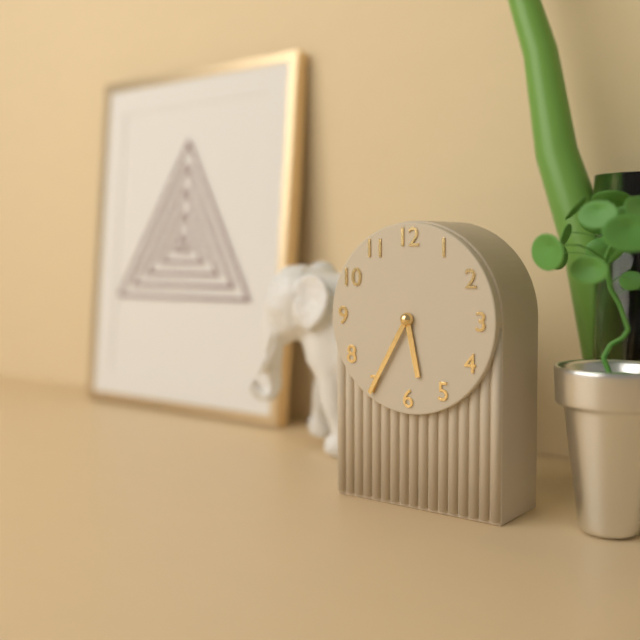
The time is 5:35
